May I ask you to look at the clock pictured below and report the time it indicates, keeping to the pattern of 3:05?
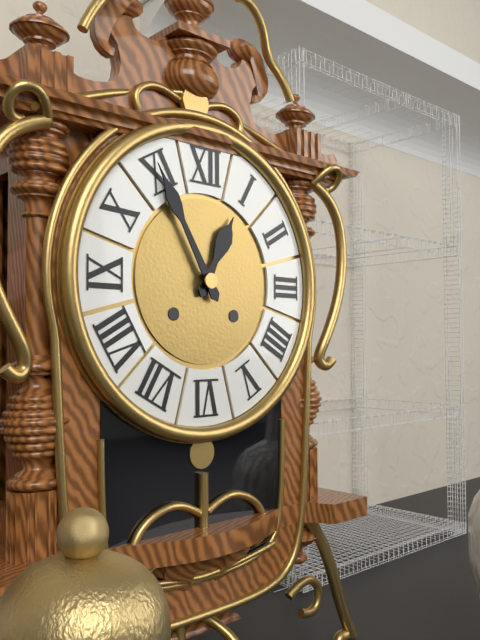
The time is 12:55
